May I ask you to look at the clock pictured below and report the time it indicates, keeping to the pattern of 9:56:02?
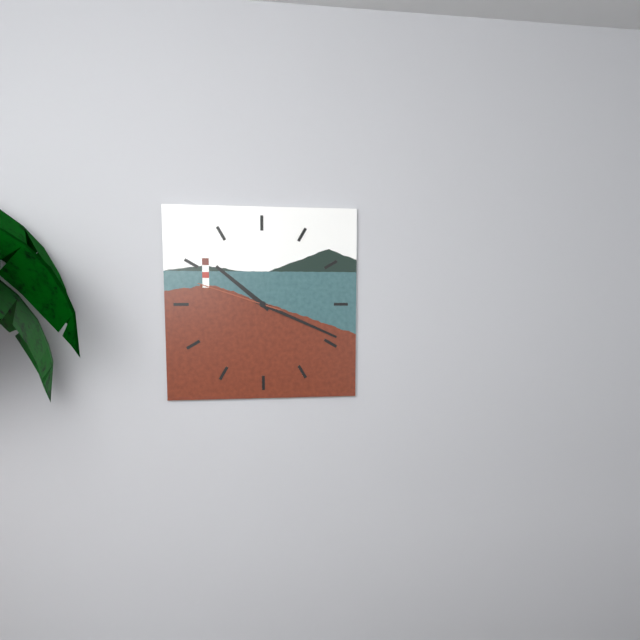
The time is 10:19:48
